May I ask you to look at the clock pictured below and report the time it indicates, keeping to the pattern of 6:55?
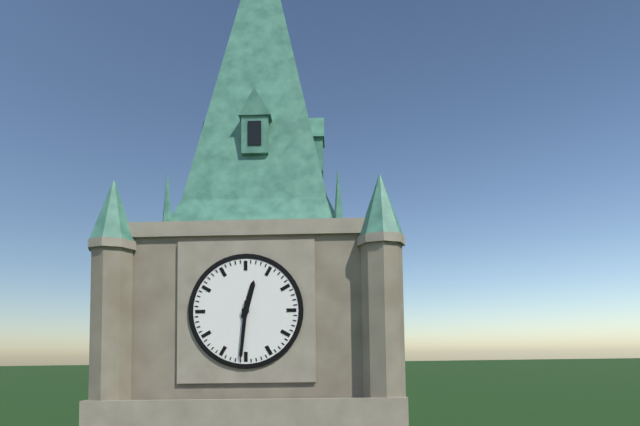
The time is 12:31
